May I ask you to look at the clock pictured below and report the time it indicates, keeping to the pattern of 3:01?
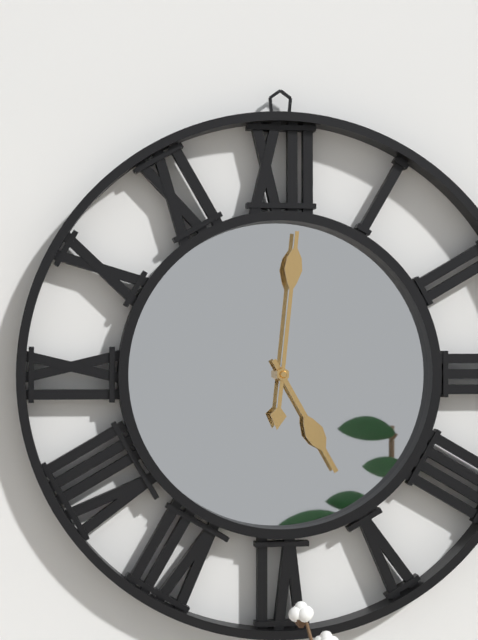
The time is 5:01
